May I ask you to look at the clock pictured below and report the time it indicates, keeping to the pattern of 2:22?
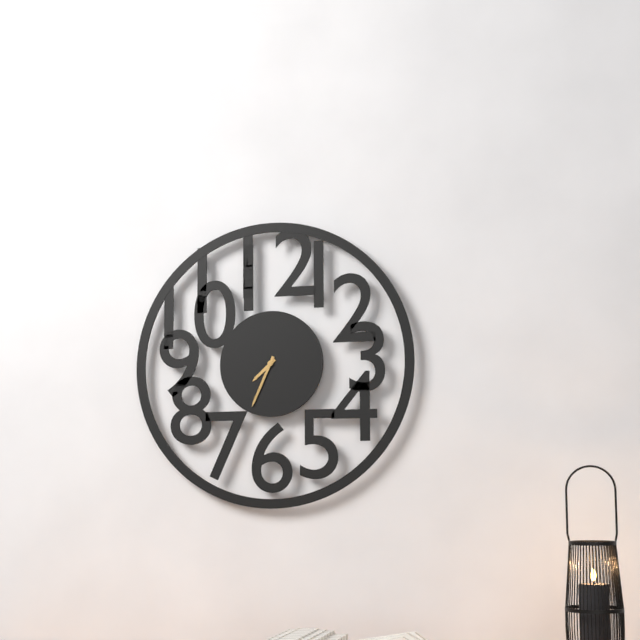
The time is 7:34
